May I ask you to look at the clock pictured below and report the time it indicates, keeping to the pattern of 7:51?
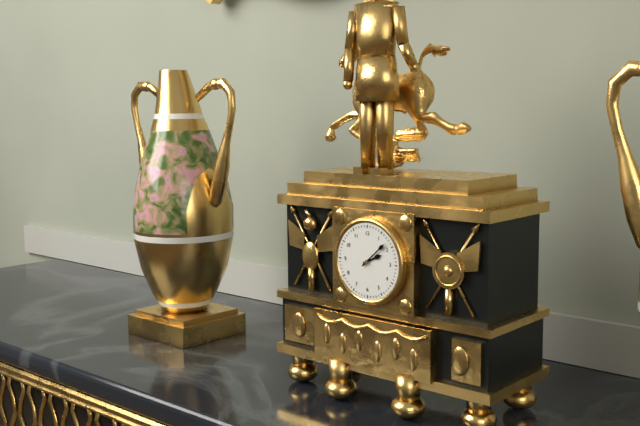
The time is 2:08
